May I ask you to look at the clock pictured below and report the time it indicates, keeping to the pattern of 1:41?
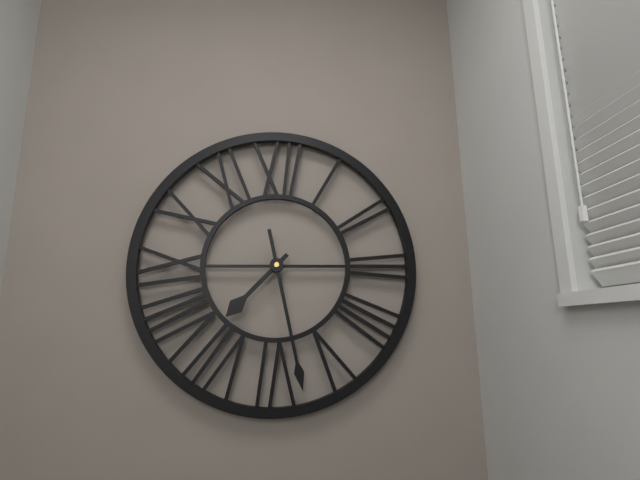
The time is 7:28
